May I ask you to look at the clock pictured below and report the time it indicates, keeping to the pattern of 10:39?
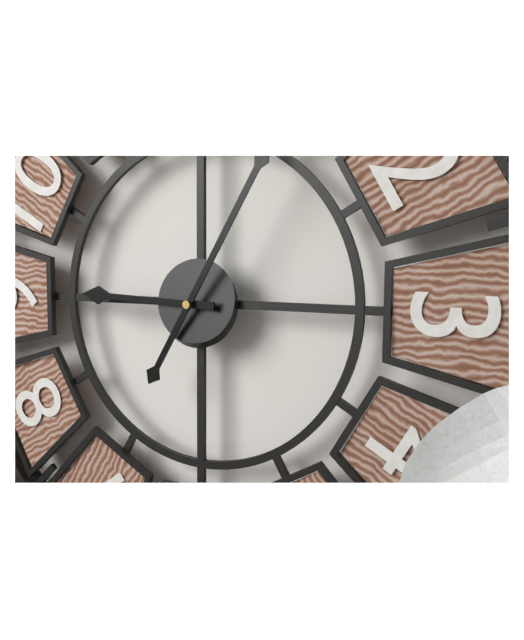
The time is 9:05
